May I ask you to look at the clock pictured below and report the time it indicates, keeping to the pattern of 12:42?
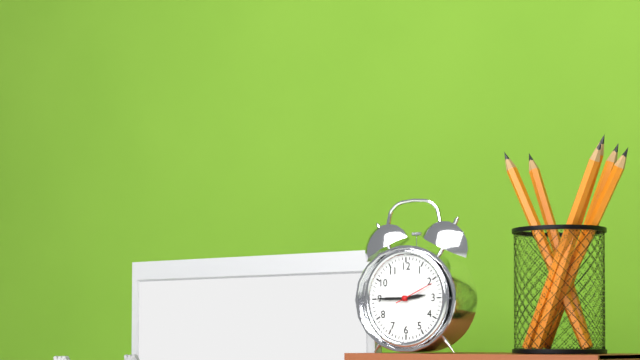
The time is 2:45
